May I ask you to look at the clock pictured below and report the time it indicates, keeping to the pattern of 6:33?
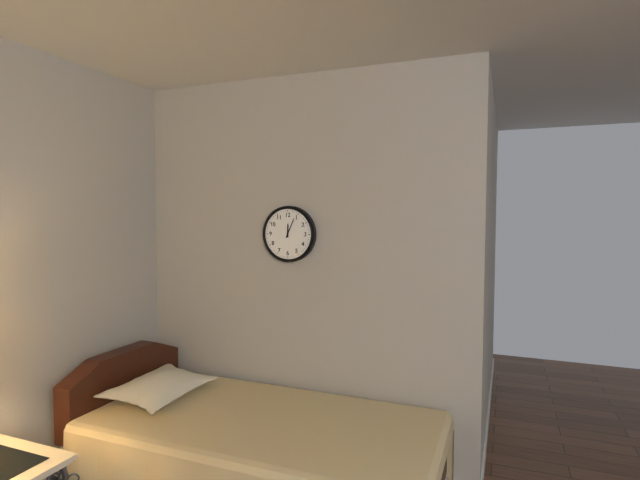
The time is 12:04
